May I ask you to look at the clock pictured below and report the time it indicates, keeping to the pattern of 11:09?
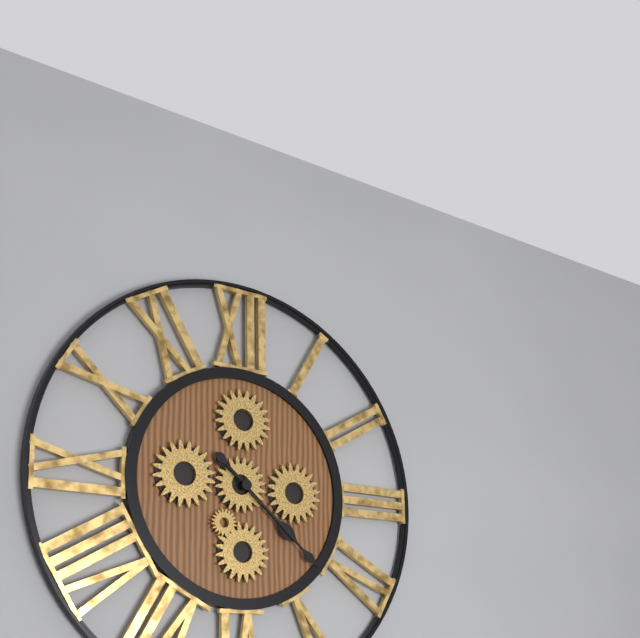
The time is 4:22
